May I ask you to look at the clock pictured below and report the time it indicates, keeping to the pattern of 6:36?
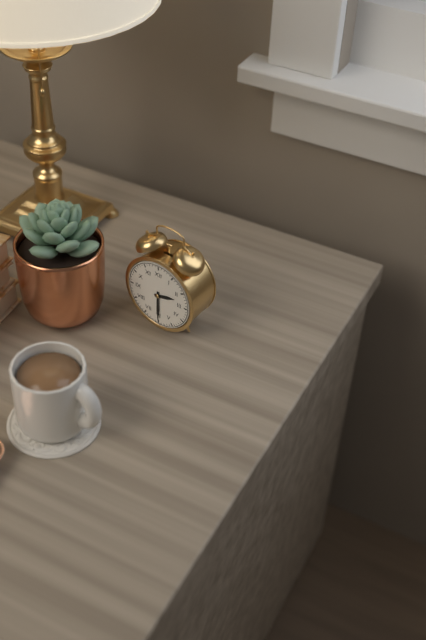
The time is 2:30
